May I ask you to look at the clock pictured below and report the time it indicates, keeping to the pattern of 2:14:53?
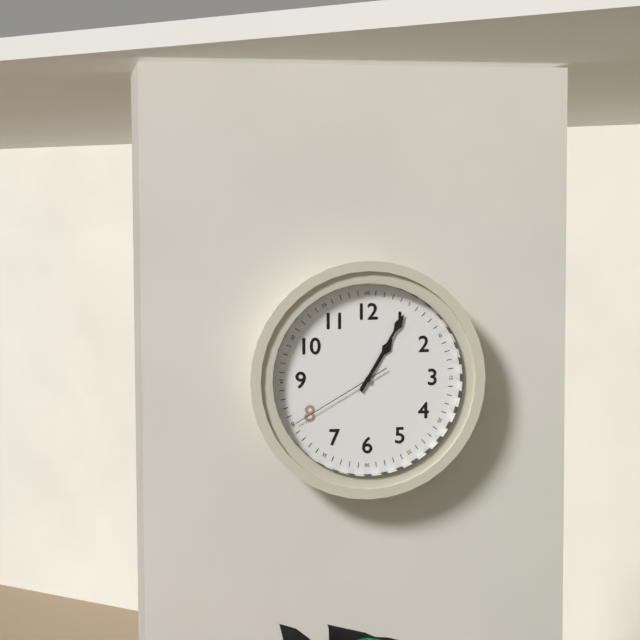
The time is 1:05:40
